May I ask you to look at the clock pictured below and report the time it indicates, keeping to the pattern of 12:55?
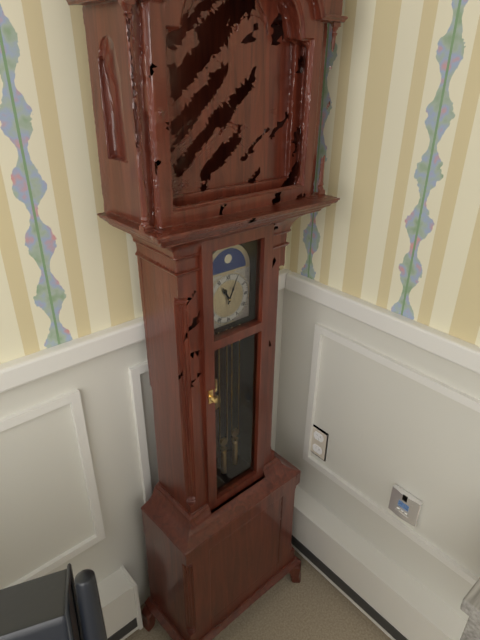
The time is 11:04
